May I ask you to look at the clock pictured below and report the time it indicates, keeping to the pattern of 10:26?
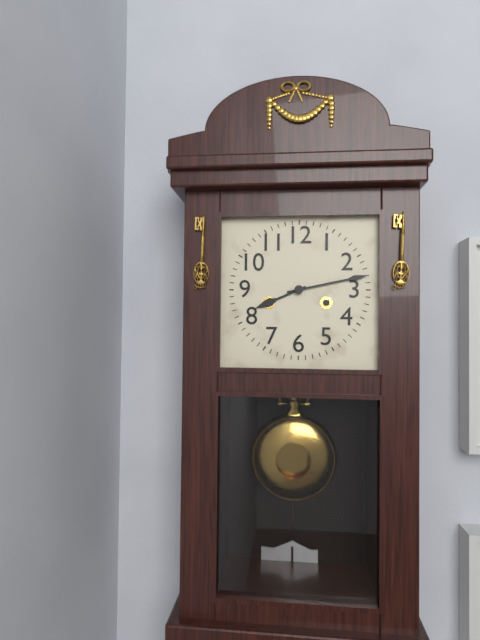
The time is 8:13
